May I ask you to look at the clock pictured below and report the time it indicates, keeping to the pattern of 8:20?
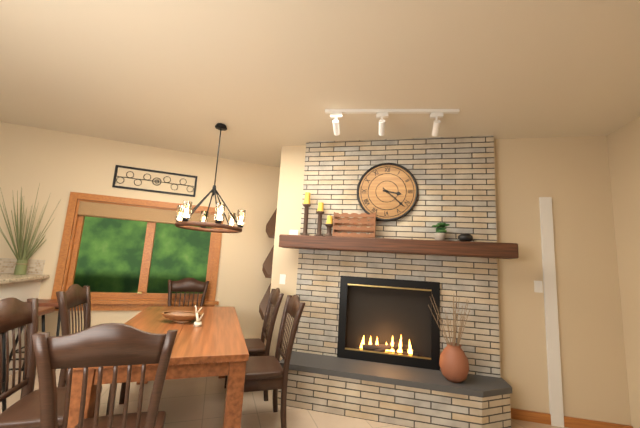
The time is 3:22
